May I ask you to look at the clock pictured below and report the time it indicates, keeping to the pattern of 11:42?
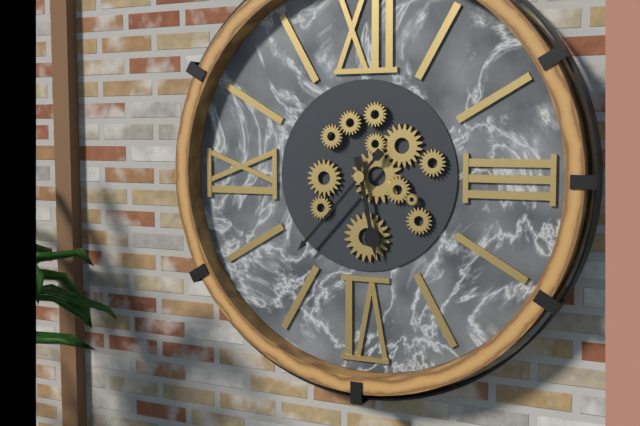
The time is 5:37
